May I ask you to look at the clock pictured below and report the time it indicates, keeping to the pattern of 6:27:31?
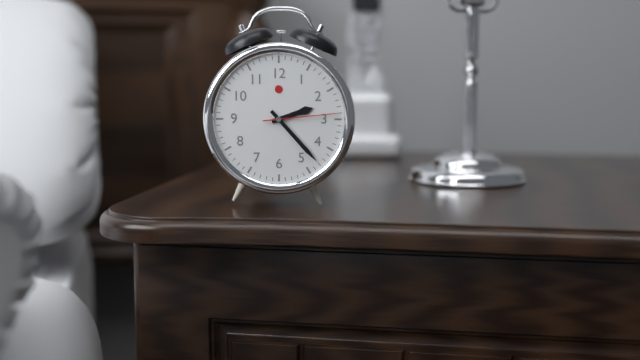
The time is 2:23:14
